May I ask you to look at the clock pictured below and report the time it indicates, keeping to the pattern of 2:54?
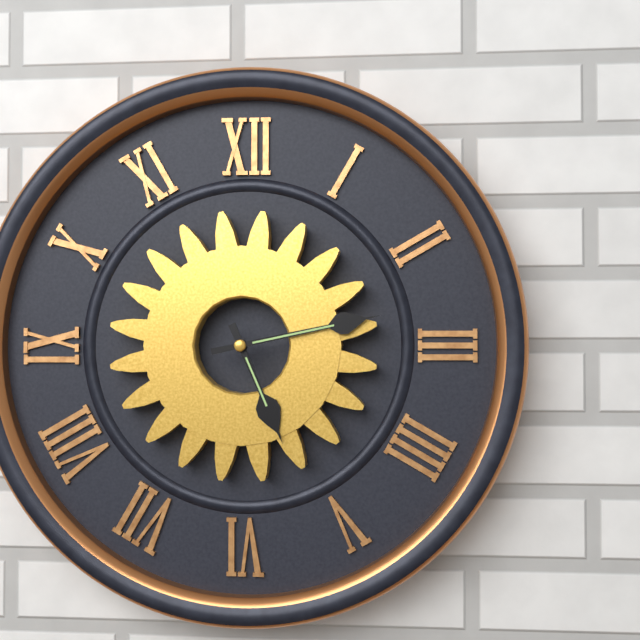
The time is 5:13
